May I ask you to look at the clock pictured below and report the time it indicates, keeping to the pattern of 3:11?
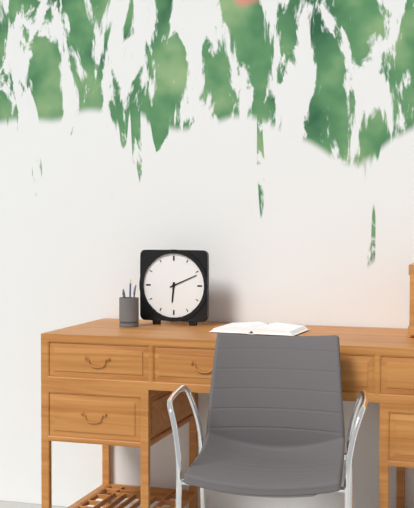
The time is 6:11
